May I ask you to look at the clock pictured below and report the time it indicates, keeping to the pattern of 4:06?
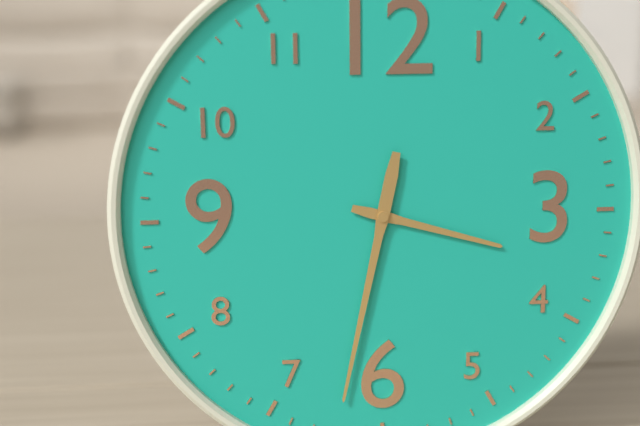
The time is 3:32
